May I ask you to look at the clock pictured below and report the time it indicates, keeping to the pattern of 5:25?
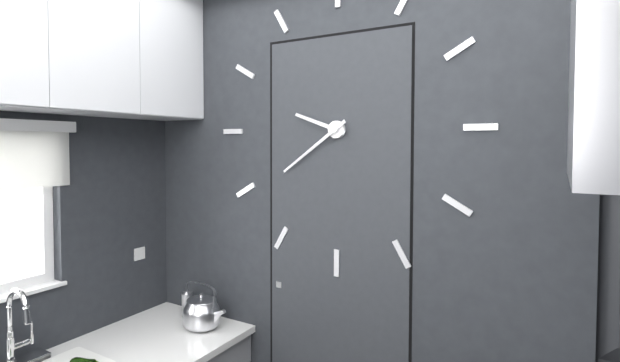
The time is 9:39
